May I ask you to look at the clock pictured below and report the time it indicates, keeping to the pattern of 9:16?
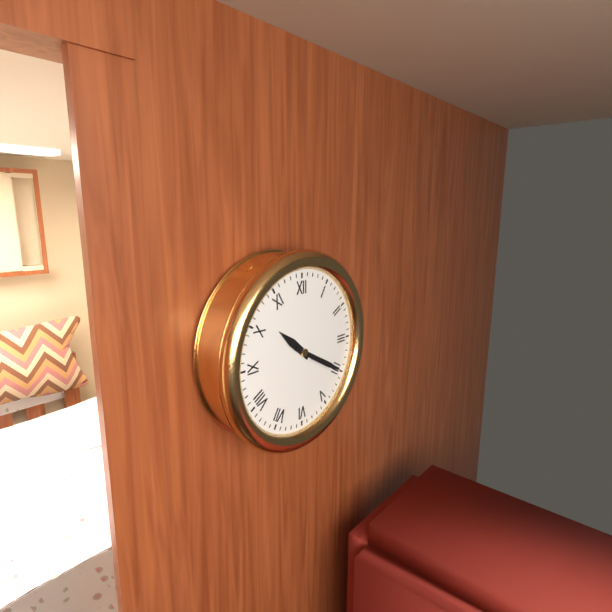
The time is 10:20
